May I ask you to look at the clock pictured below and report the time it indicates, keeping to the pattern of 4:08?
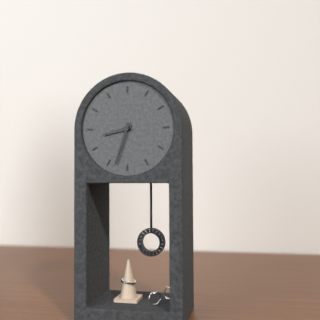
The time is 8:33
